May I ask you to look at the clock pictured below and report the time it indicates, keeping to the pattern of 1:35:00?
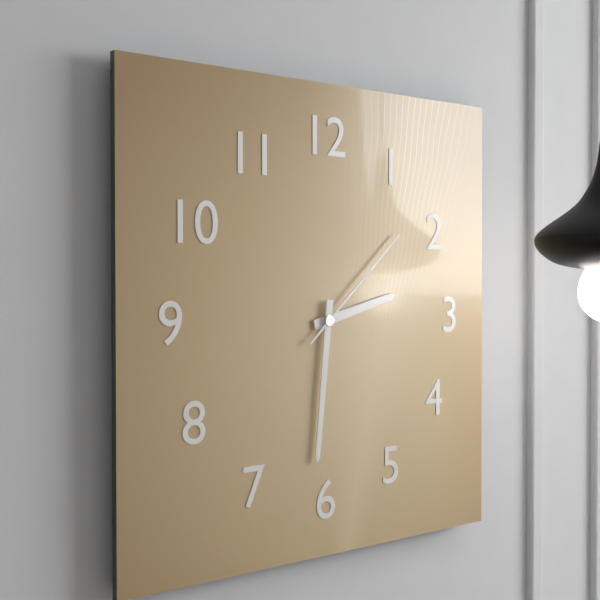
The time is 2:31:08
